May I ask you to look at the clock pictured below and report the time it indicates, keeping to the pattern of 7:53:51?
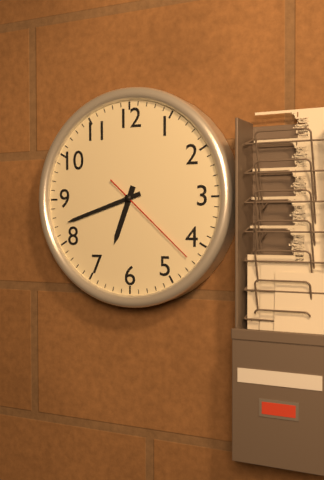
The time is 6:42:22
